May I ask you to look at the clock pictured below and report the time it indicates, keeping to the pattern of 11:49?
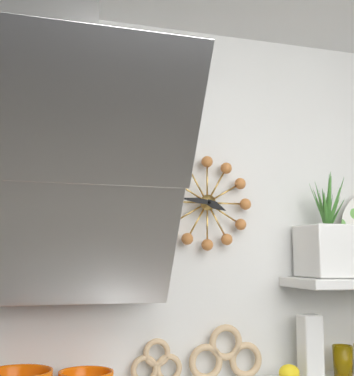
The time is 3:46
